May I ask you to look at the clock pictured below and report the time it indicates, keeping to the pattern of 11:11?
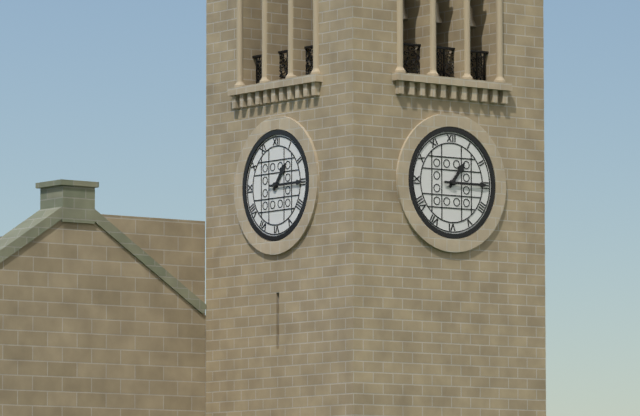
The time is 1:15
